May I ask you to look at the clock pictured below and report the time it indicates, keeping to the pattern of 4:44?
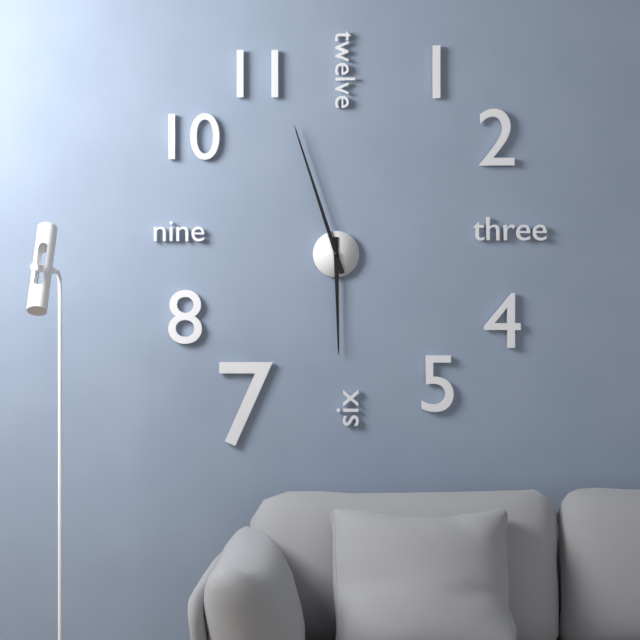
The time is 5:57
